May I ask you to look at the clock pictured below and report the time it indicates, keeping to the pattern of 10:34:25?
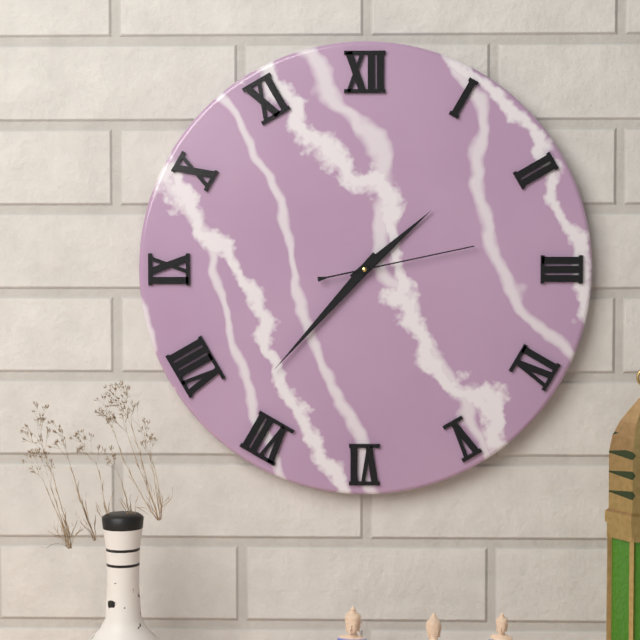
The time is 1:37:13
